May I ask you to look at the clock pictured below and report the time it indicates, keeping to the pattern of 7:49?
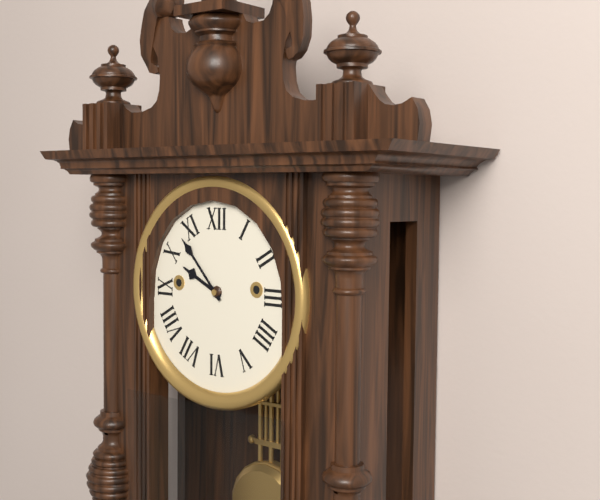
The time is 9:53
